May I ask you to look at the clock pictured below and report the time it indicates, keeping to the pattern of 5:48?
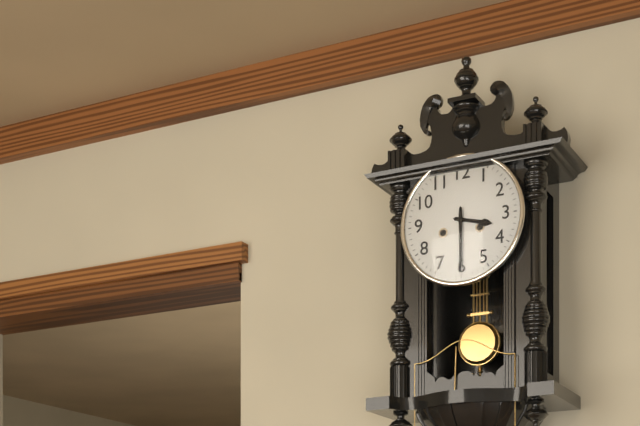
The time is 3:30
